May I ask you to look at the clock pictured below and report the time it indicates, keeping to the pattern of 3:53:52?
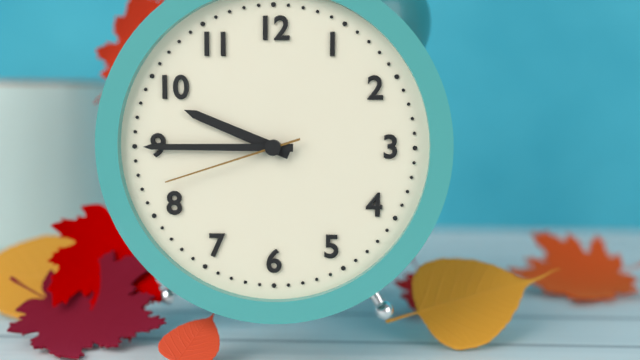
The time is 9:45:42
